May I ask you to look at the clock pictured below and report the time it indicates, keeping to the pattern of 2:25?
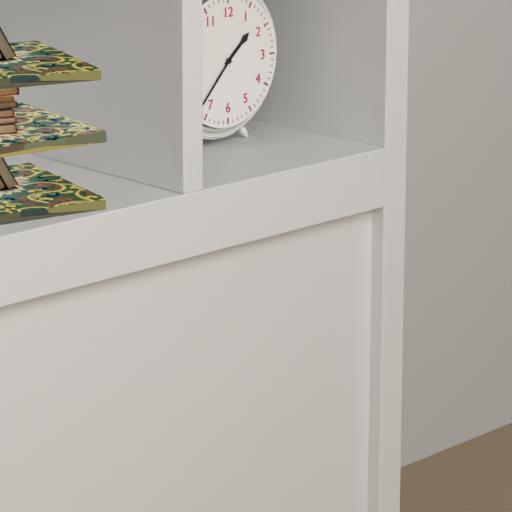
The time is 1:37
